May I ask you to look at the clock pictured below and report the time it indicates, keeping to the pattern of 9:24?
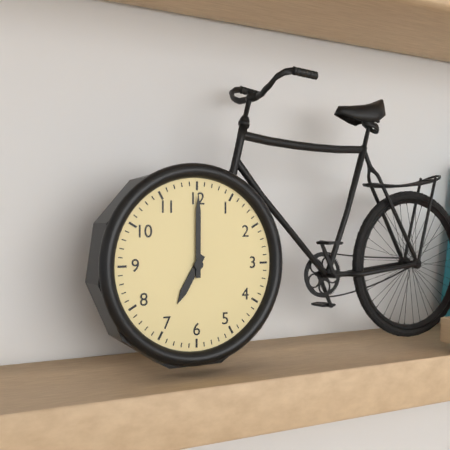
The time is 7:00
